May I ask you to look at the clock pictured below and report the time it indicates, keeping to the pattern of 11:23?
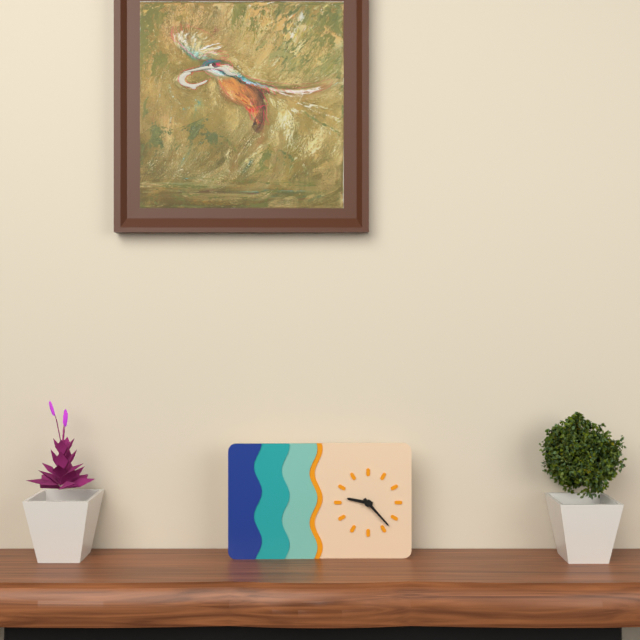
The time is 9:23
